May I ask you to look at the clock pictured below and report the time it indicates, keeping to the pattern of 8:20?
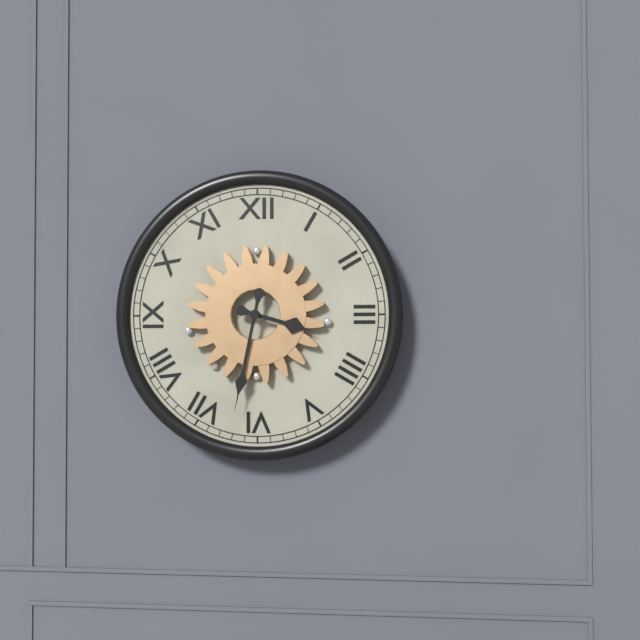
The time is 3:32
